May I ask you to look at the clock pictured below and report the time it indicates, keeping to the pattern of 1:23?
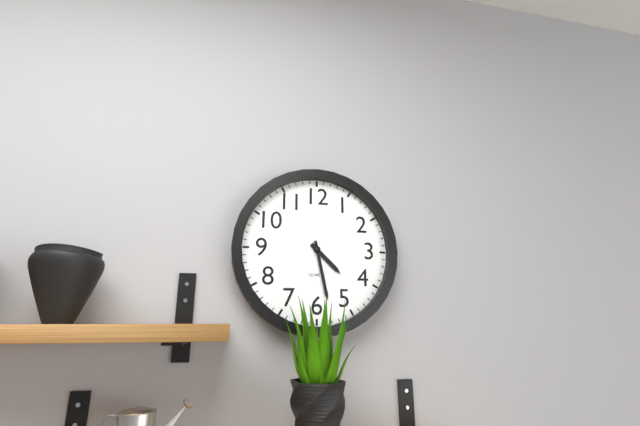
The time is 4:28
